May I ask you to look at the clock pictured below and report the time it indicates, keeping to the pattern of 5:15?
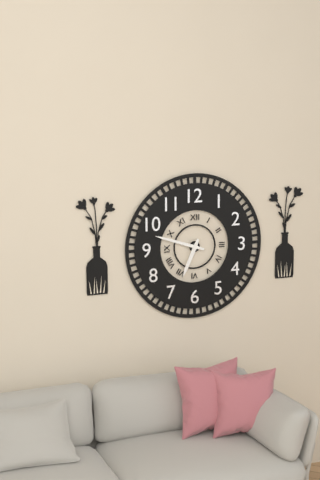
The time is 6:48
